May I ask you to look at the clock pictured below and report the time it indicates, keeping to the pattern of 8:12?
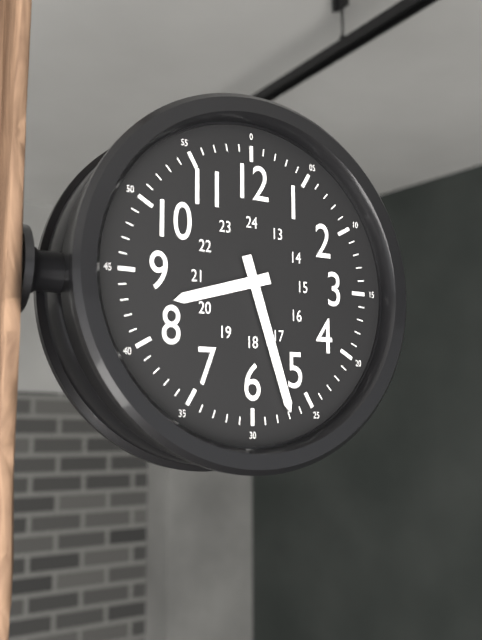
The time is 8:27
